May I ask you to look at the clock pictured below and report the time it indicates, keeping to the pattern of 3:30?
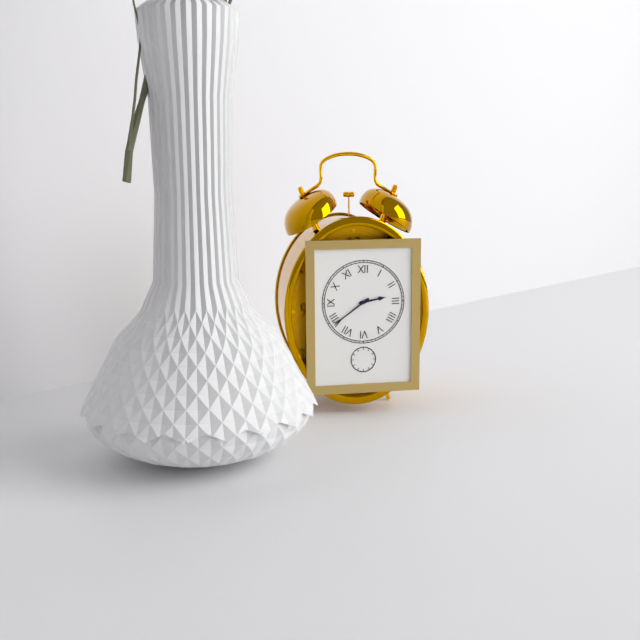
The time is 2:39
